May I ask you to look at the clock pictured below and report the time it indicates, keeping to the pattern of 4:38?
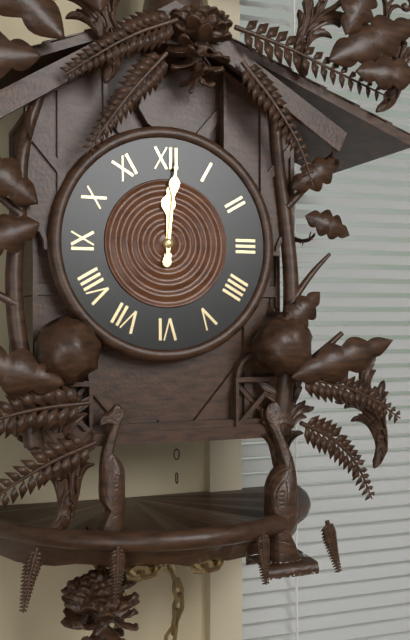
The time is 12:01
